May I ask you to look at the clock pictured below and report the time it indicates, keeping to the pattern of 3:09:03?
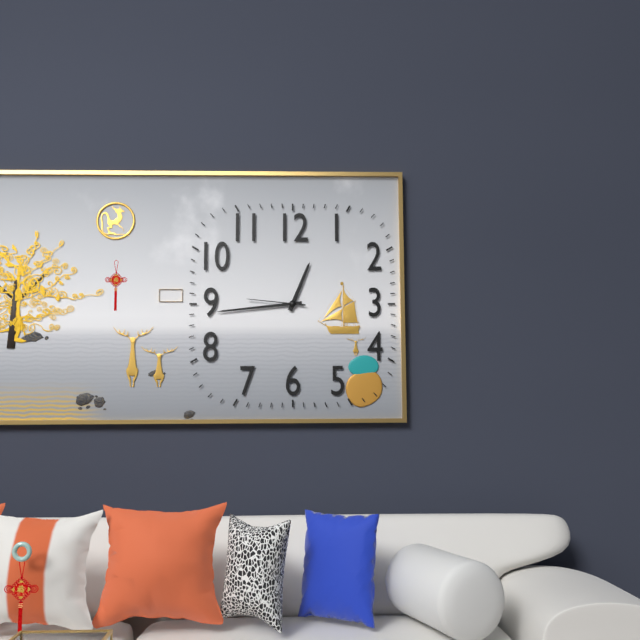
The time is 12:44:46
